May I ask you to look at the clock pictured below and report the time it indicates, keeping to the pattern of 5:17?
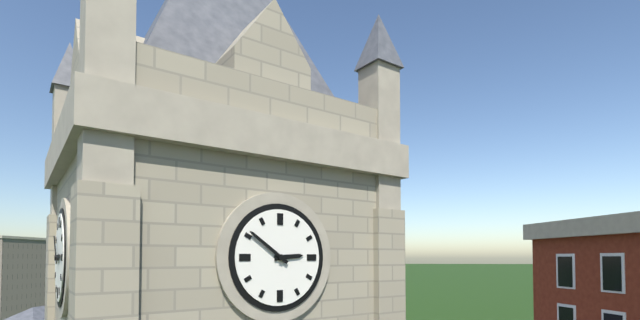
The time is 2:51
